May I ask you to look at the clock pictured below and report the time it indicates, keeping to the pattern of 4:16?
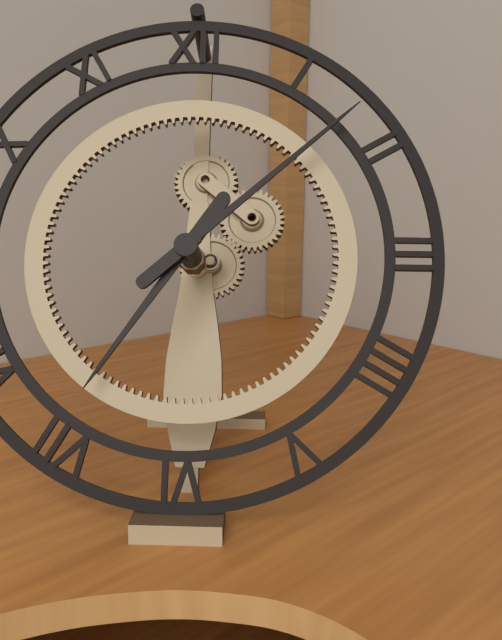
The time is 7:08
